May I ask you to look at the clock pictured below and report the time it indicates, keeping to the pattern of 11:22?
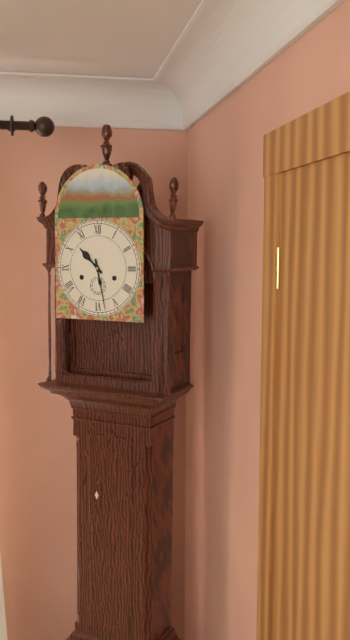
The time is 10:28
